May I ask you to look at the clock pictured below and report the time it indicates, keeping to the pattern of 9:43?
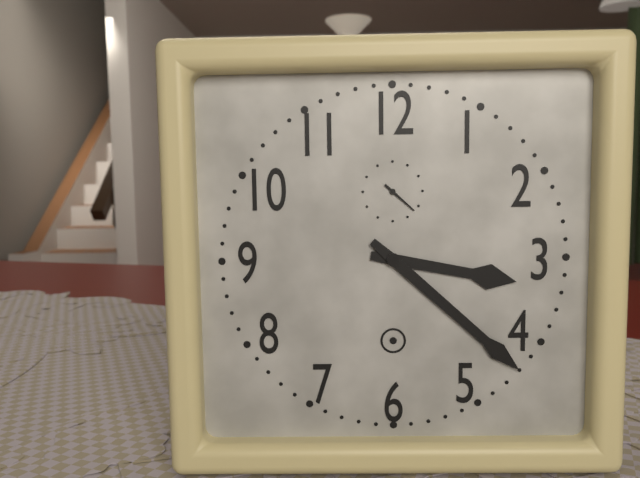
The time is 3:22
